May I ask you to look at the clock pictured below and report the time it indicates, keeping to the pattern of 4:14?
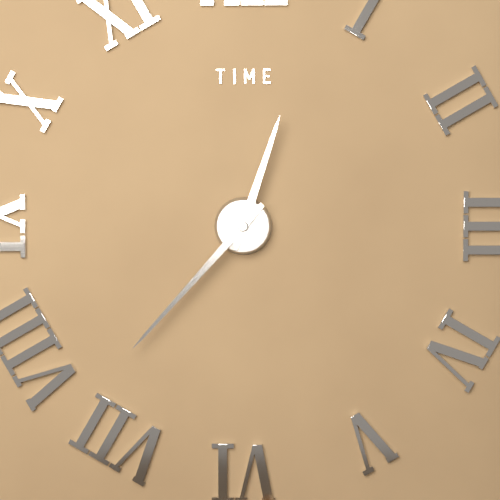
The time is 12:37
